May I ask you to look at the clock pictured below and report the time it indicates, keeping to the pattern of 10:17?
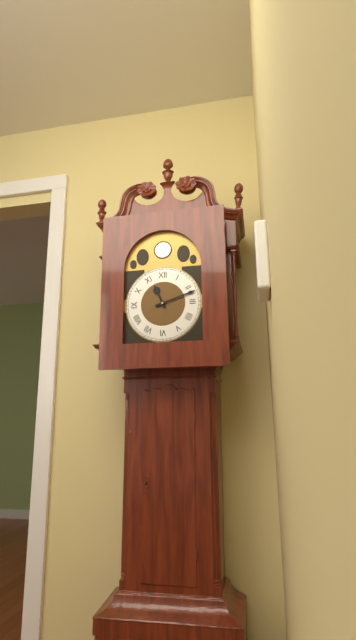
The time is 11:12
